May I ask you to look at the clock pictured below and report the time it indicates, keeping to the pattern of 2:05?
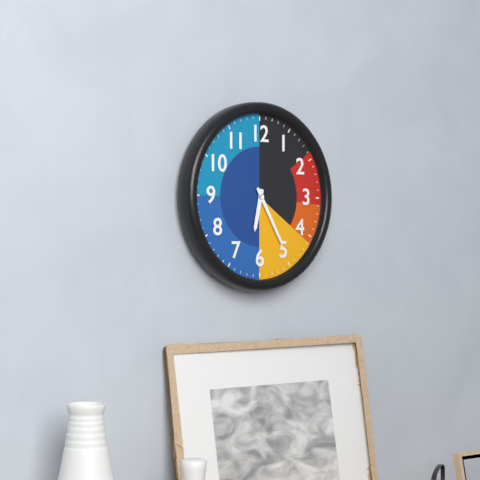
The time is 6:25
